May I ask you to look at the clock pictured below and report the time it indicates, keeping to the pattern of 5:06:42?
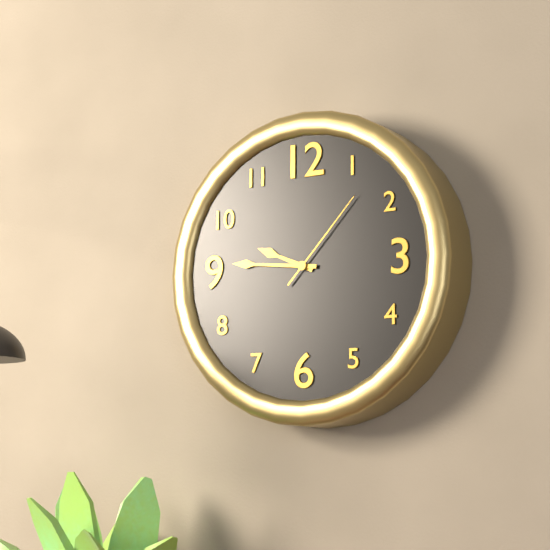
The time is 9:46:07
